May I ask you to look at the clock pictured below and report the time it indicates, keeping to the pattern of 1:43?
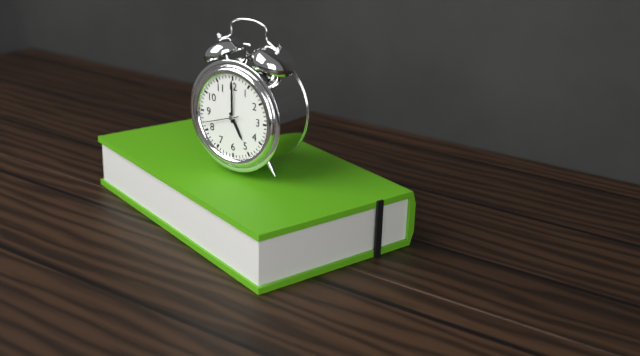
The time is 5:00
